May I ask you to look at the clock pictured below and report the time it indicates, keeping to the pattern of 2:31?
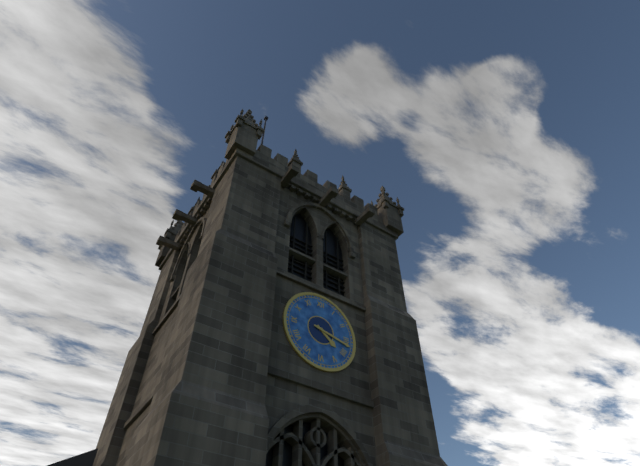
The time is 4:17
